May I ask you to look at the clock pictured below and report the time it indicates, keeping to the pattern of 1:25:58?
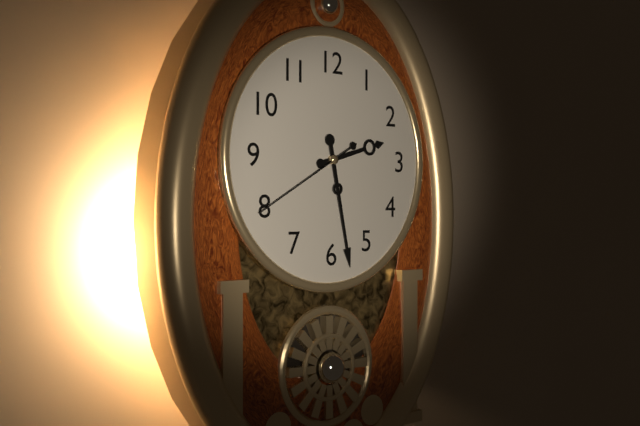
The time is 2:28:40
